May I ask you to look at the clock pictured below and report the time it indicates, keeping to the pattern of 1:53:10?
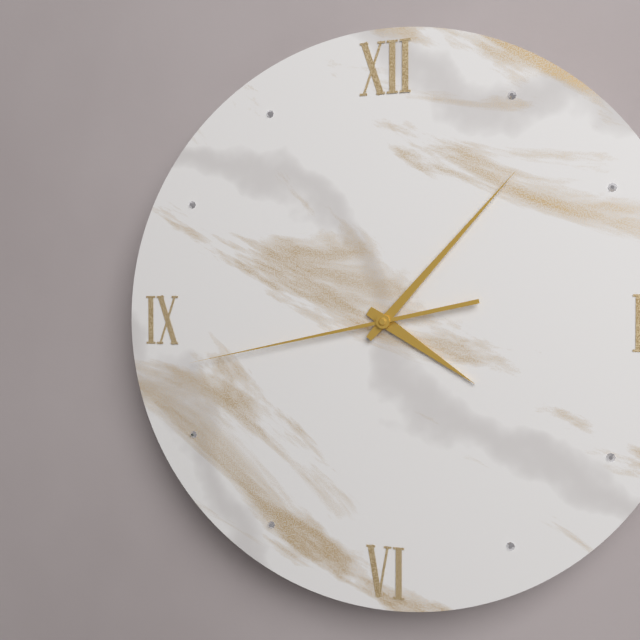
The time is 4:07:43
